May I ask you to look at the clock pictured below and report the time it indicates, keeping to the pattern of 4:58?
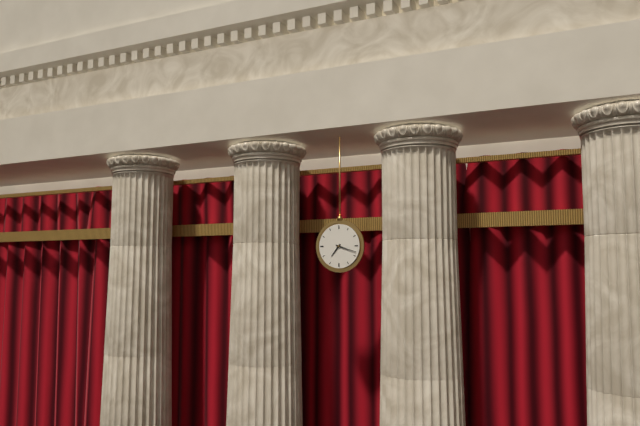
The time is 7:18
